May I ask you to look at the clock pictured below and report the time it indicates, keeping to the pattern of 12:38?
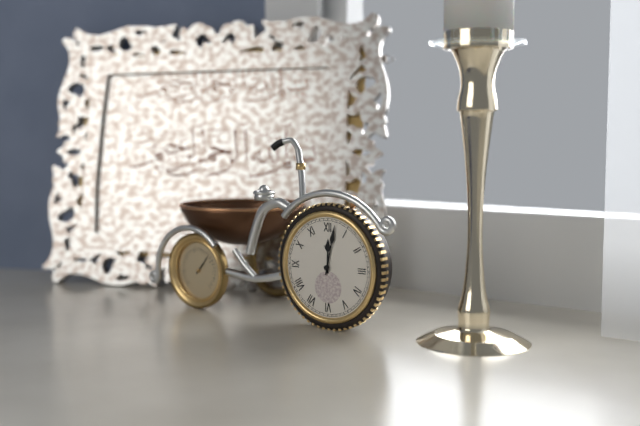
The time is 12:02
